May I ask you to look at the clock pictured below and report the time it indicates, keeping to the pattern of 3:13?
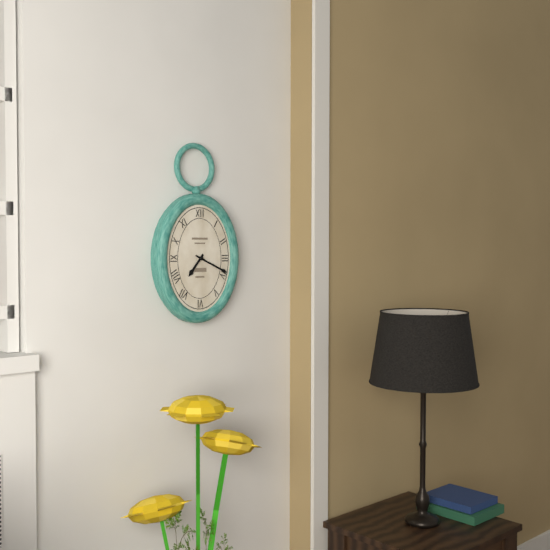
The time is 7:19
